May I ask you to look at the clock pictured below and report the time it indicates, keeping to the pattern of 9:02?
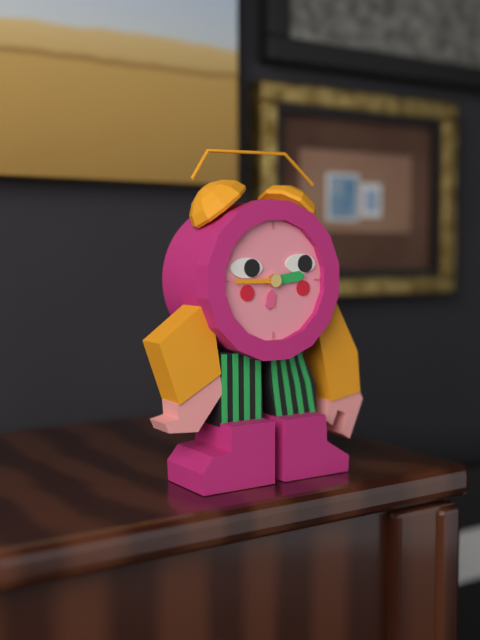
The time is 2:45
